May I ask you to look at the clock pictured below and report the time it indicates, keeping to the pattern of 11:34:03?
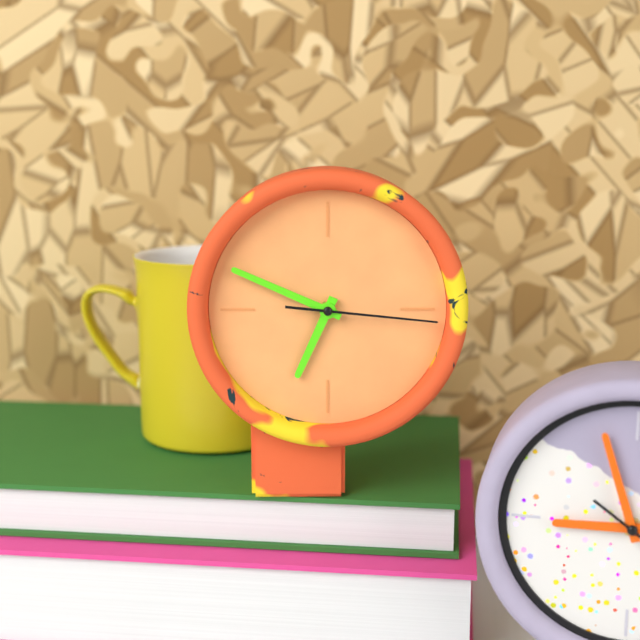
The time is 6:49:16
